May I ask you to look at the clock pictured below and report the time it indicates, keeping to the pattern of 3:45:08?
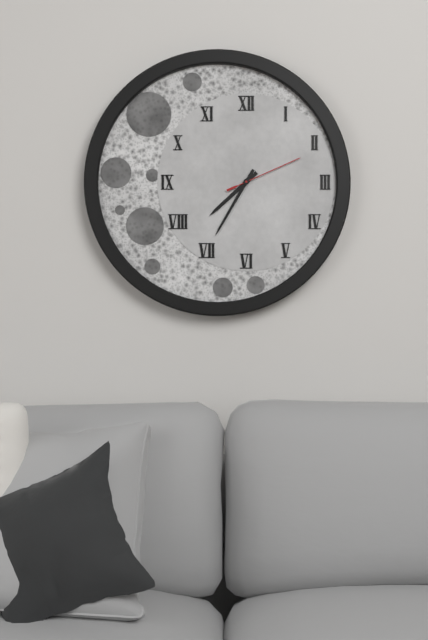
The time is 7:35:11
